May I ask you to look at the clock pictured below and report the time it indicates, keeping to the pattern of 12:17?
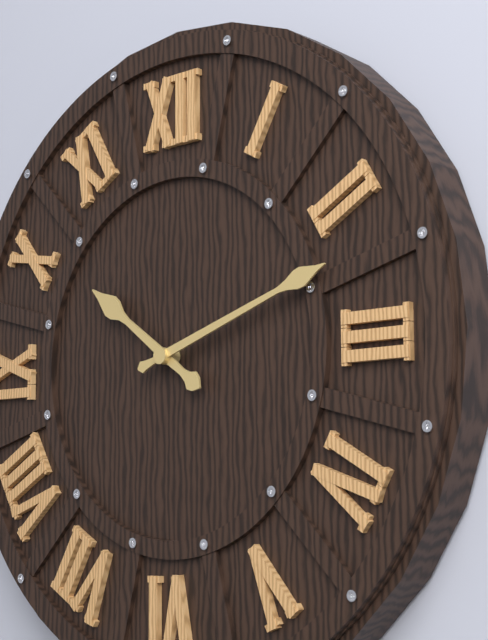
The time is 10:12
